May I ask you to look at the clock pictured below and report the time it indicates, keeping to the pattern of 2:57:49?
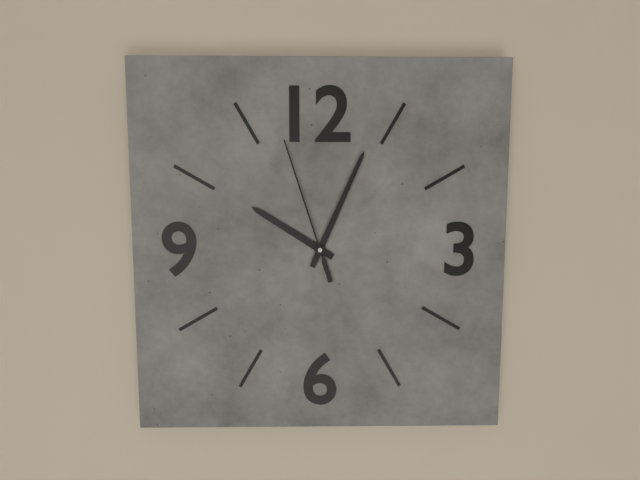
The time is 10:04:57
